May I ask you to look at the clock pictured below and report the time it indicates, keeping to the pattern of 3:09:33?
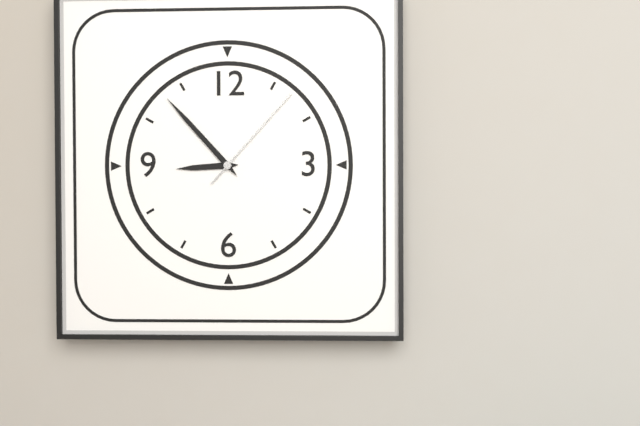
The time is 8:53:07
